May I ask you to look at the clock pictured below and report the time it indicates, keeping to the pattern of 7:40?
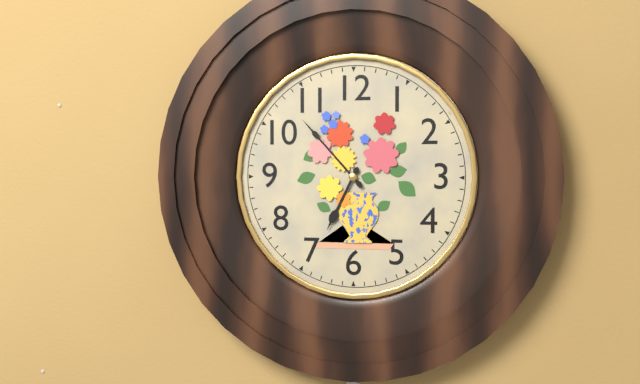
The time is 6:53
